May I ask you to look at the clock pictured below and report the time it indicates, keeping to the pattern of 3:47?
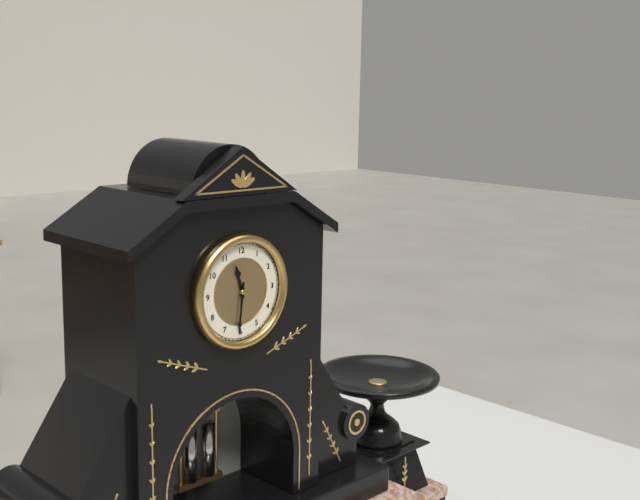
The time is 11:31
